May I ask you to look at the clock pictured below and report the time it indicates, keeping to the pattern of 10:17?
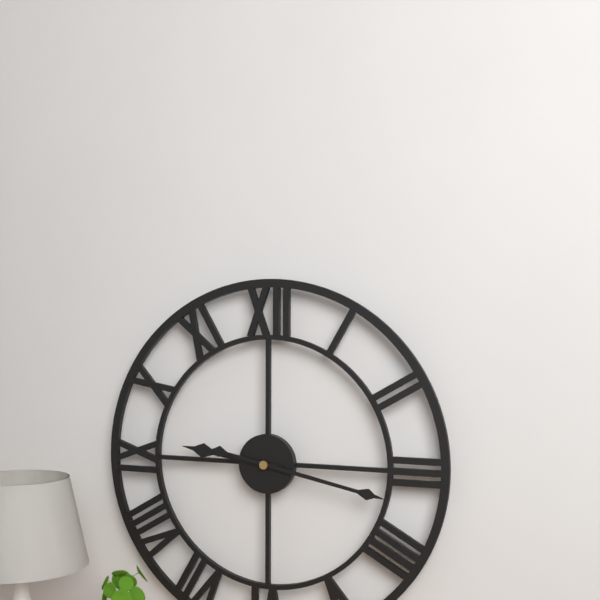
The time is 9:17
